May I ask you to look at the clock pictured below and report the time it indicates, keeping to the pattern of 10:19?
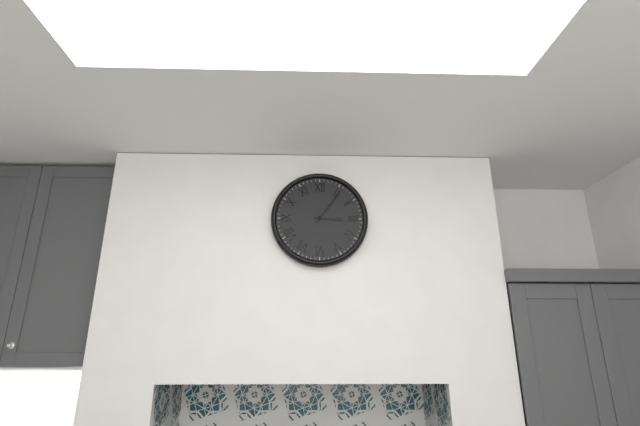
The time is 3:06
